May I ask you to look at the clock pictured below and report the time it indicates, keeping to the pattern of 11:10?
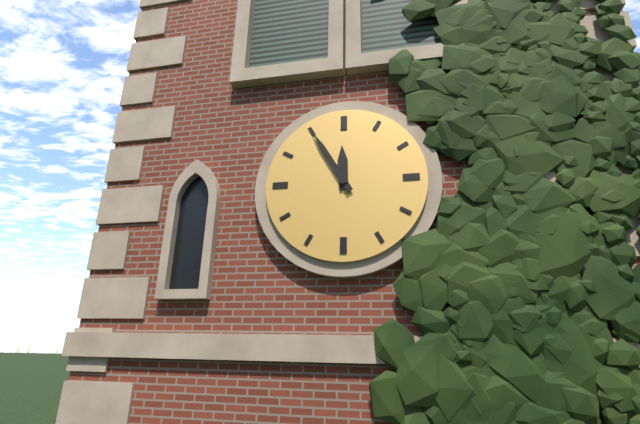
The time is 11:55
